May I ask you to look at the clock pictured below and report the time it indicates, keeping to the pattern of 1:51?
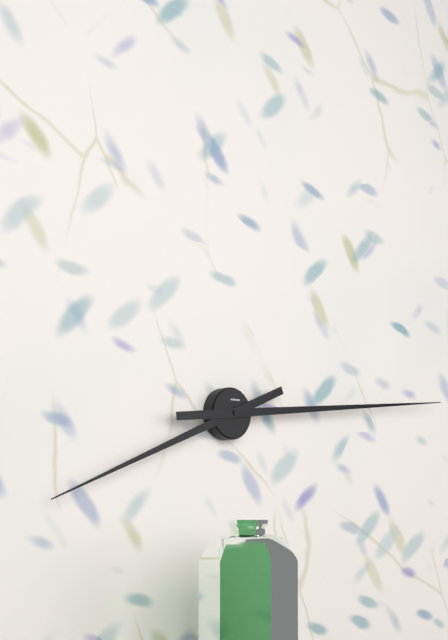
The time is 8:14
